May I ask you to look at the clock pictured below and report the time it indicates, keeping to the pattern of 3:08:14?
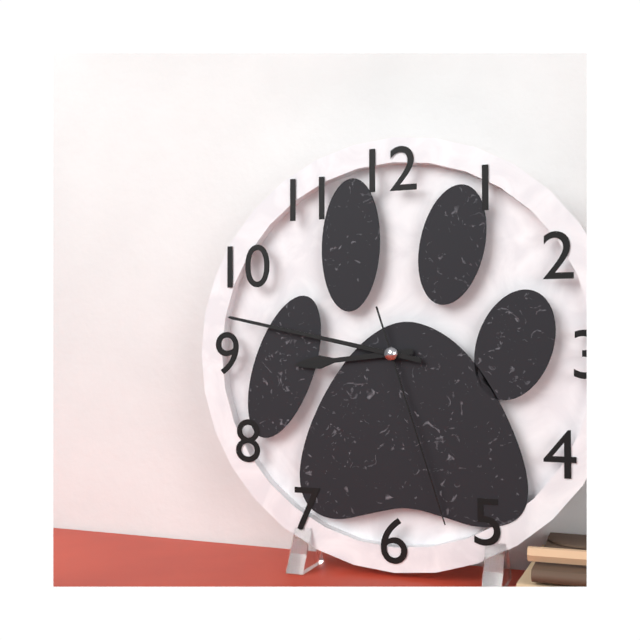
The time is 8:47:27
